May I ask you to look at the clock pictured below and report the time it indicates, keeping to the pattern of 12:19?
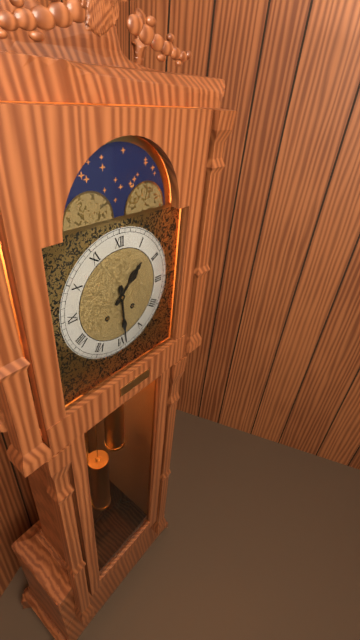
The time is 1:29
